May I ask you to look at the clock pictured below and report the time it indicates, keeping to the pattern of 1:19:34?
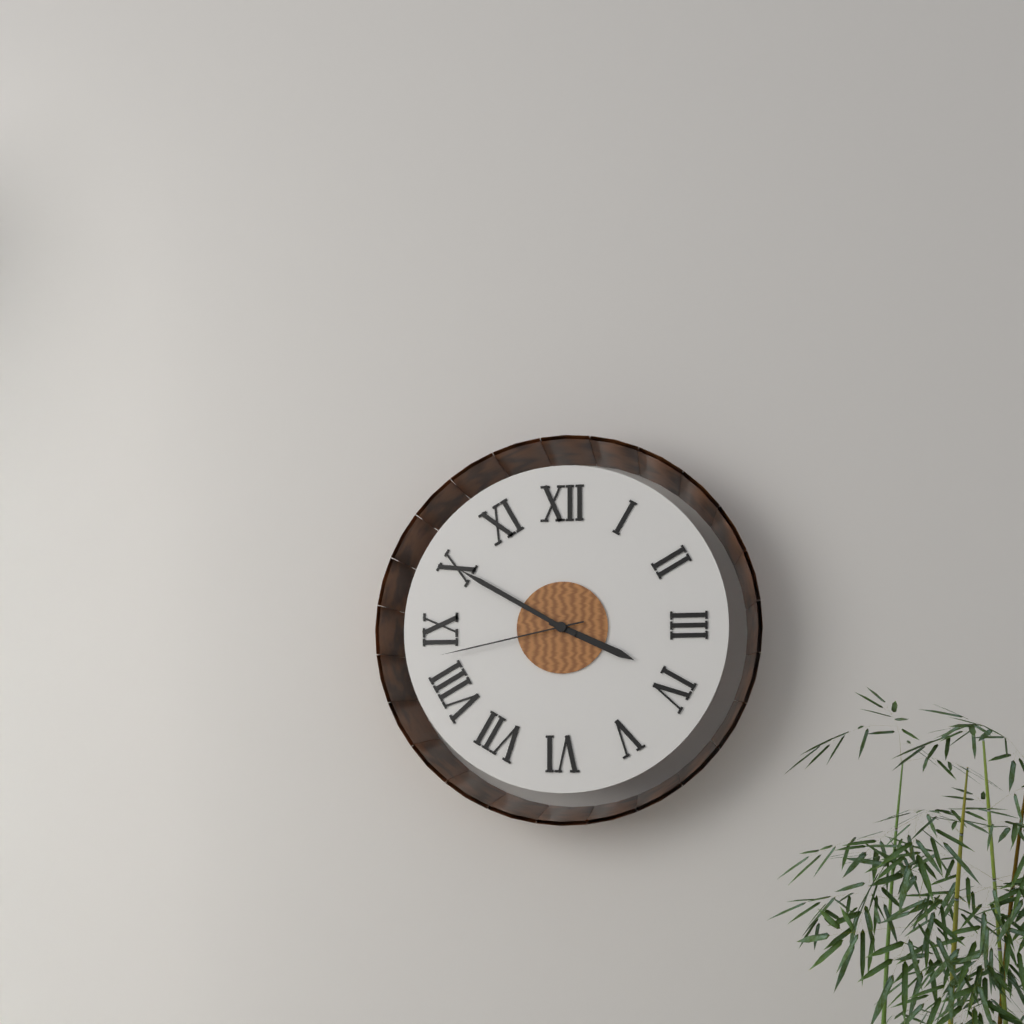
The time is 3:50:43
